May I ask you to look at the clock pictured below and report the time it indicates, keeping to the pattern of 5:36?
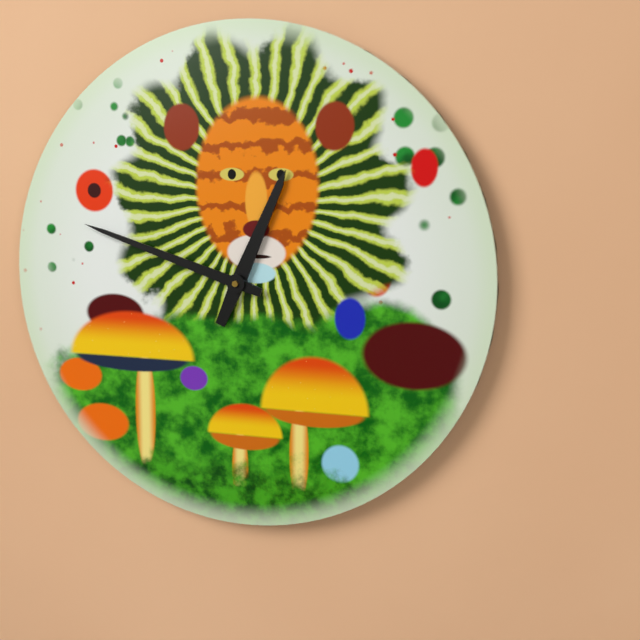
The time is 12:48
